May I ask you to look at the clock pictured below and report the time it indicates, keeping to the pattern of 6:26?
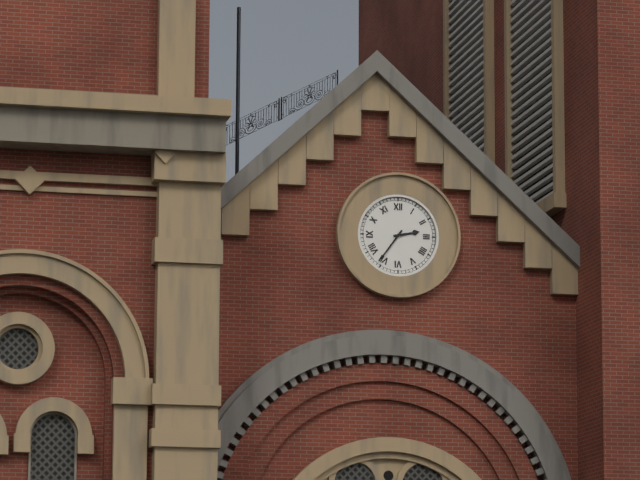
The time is 2:36
